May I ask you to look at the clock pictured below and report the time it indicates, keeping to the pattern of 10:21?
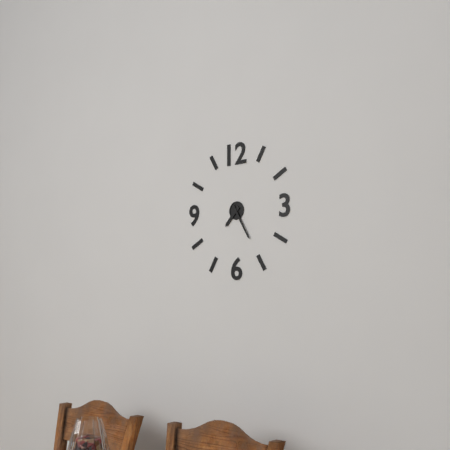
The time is 7:25
